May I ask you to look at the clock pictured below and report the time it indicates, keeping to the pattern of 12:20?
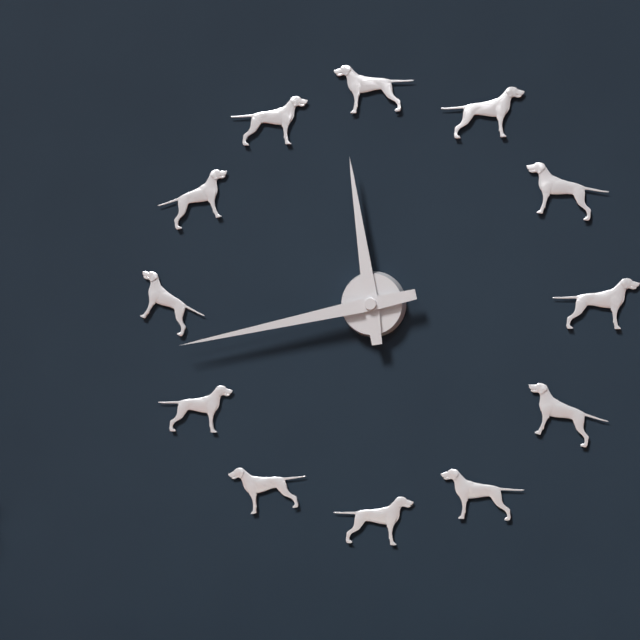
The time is 11:43
